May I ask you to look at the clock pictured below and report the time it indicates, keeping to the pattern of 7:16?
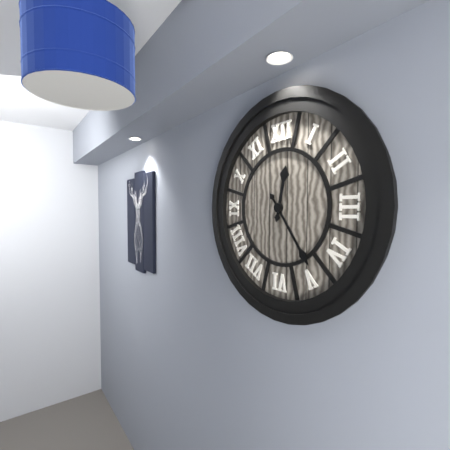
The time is 12:24
